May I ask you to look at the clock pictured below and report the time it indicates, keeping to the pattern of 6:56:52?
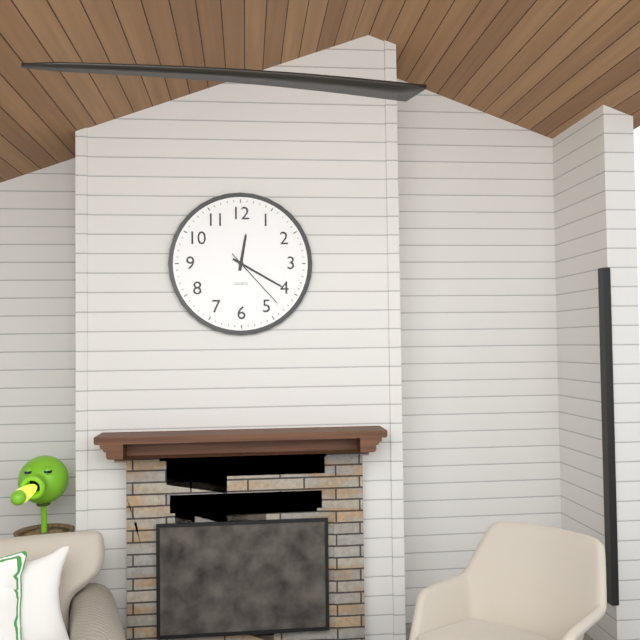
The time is 12:20:23
